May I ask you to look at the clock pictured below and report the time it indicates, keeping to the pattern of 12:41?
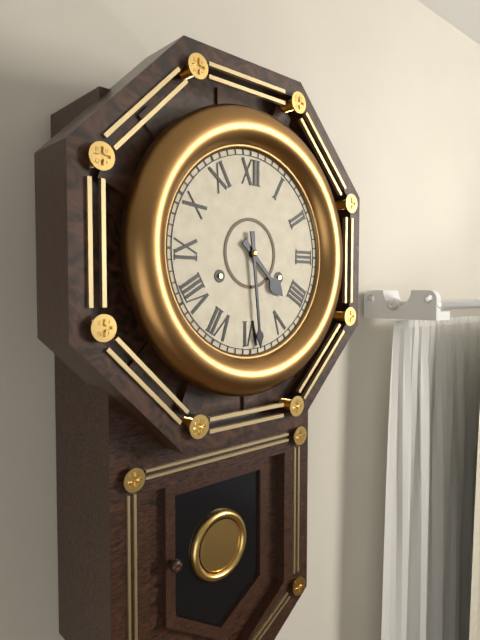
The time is 4:29
